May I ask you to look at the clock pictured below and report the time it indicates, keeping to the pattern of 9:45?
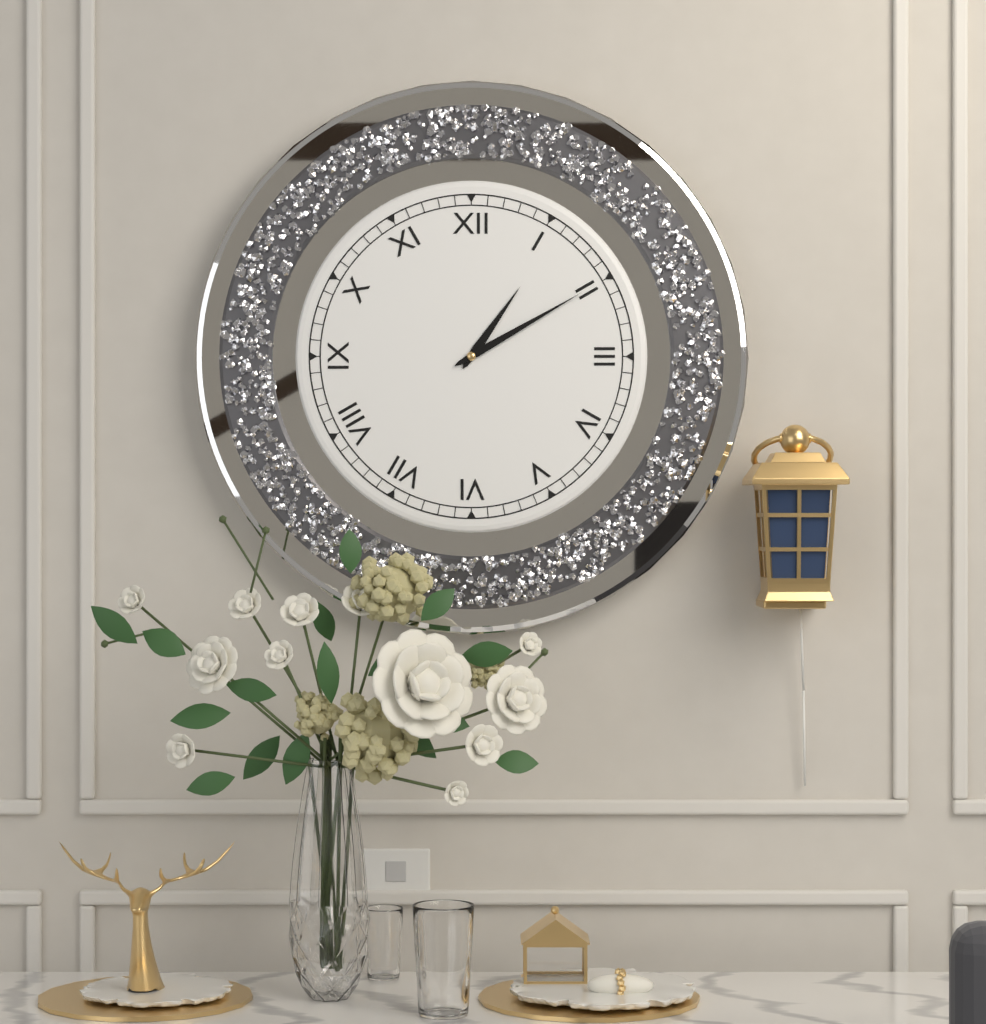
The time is 1:10
